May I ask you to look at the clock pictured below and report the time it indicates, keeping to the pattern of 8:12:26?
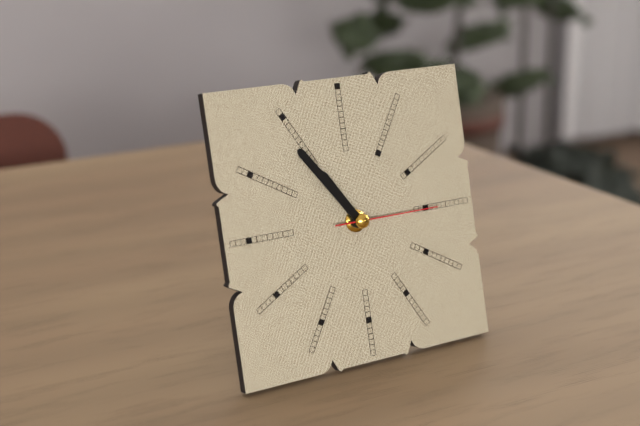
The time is 10:54:15
